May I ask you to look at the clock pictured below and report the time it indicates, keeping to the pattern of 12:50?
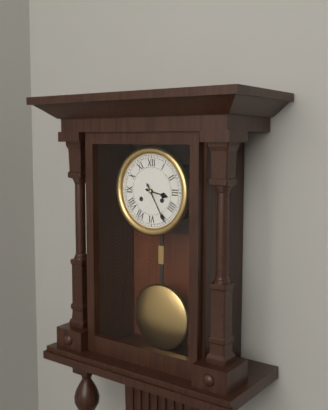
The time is 3:25
